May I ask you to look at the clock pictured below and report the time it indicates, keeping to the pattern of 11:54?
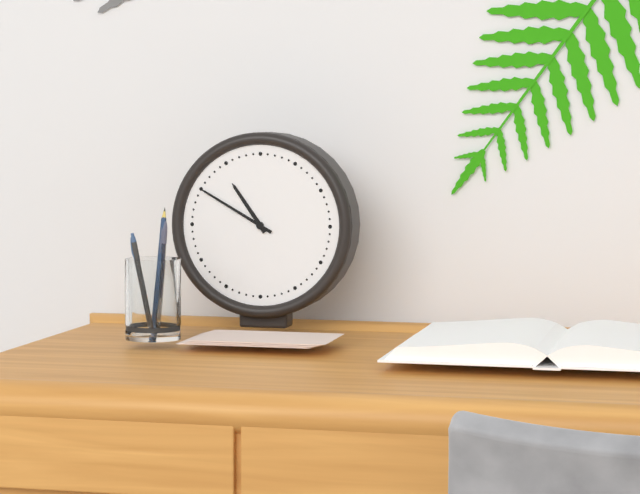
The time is 10:50
